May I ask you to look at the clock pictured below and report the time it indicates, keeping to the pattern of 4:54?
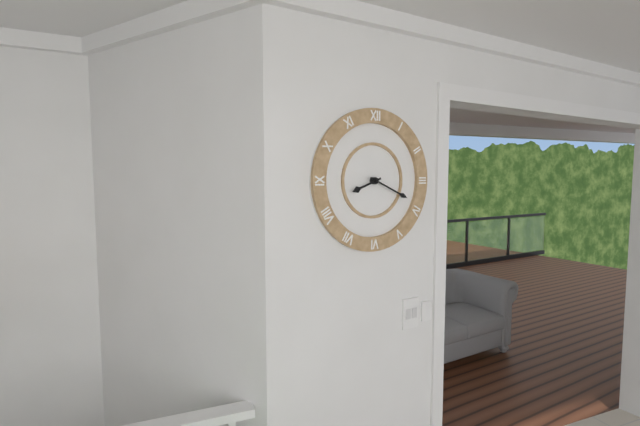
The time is 8:19
